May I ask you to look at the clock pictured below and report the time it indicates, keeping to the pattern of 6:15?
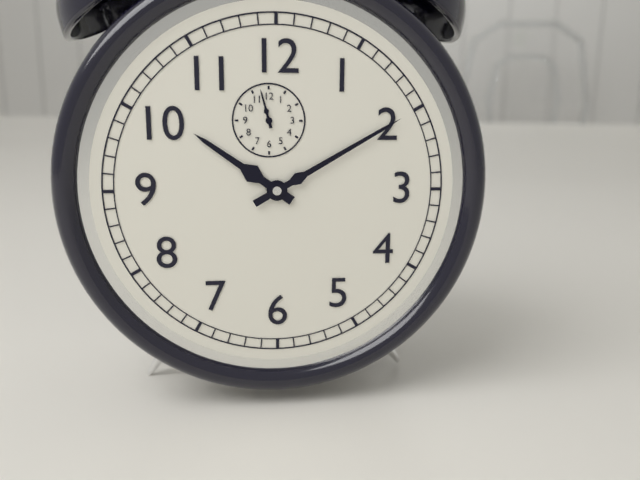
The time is 10:10
